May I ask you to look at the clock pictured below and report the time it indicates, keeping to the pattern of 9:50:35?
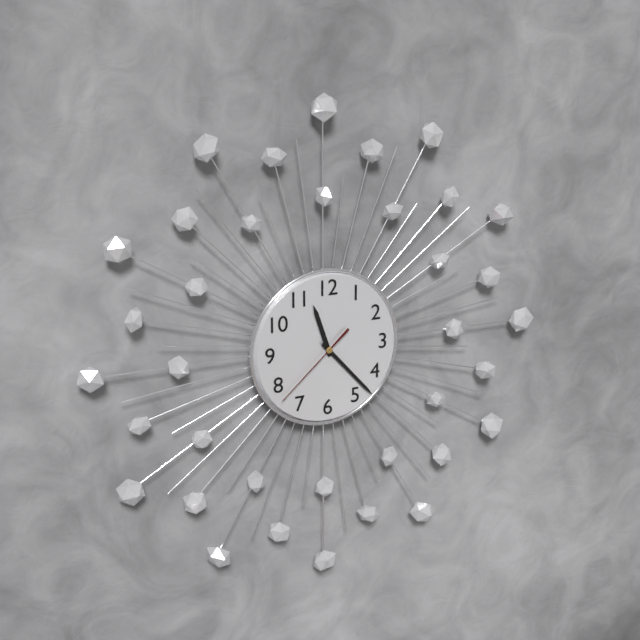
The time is 11:23:38
